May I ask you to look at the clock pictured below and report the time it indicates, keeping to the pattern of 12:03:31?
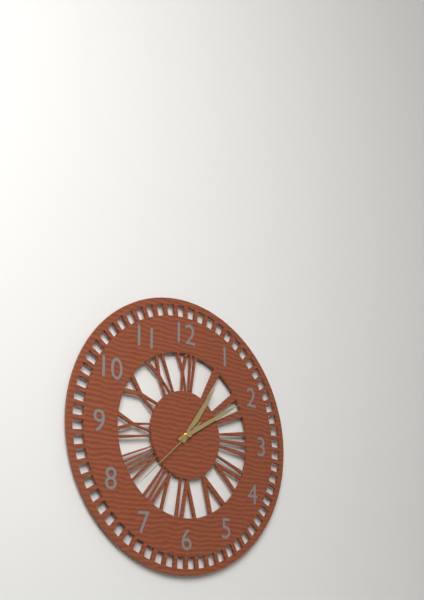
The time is 1:10:38
